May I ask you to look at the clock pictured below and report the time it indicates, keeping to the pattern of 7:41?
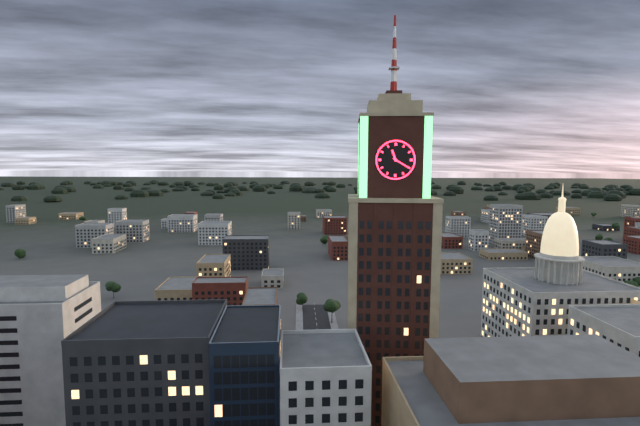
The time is 11:20
